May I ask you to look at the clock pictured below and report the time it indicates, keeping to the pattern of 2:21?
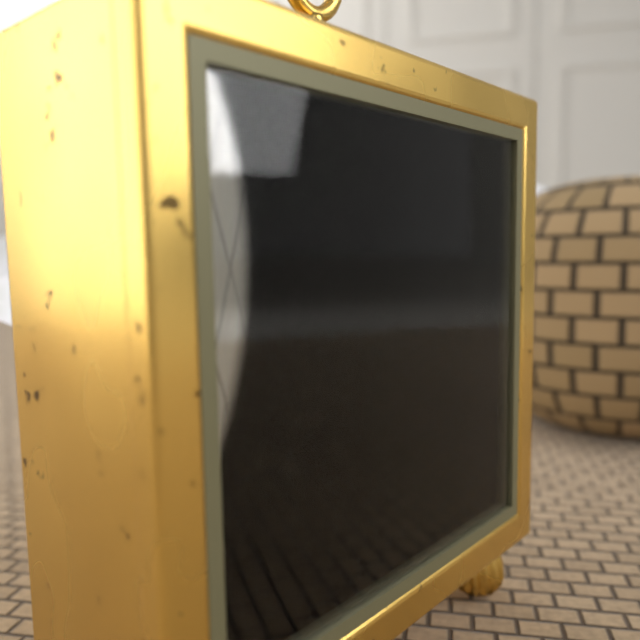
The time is 9:07
